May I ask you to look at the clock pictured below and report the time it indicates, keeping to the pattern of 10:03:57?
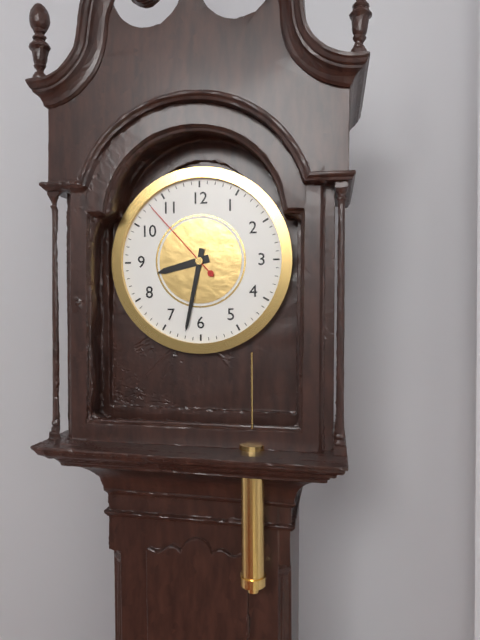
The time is 8:32:53
